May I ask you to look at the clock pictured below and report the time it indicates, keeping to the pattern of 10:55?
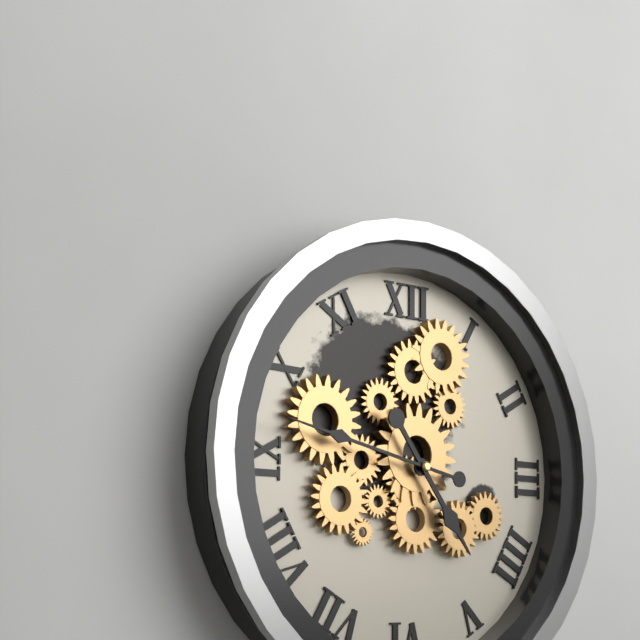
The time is 4:47
